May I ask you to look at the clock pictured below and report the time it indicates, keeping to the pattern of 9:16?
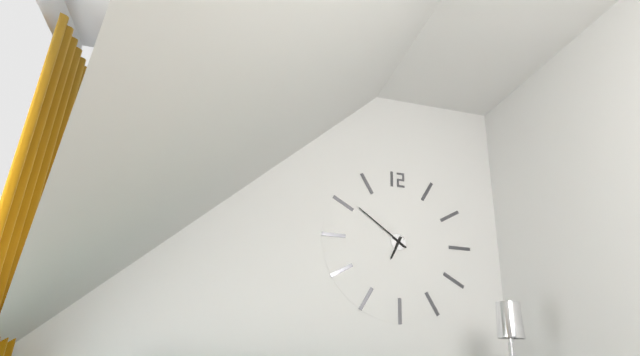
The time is 6:51
